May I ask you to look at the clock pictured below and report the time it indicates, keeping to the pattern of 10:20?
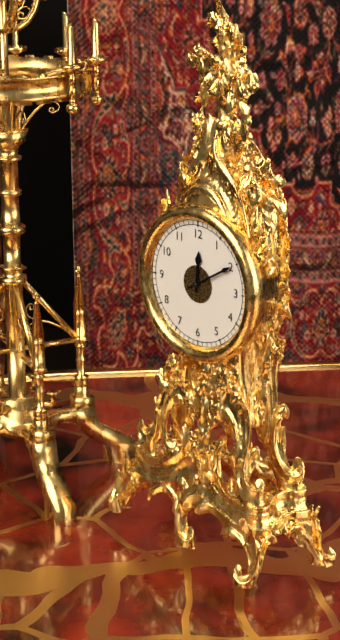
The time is 12:10
